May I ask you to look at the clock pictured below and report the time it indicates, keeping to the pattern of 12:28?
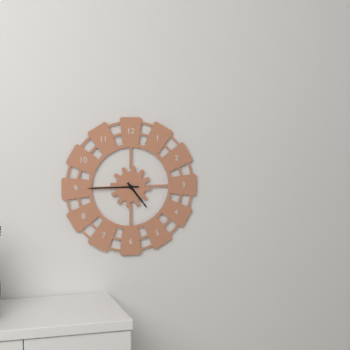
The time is 4:45
